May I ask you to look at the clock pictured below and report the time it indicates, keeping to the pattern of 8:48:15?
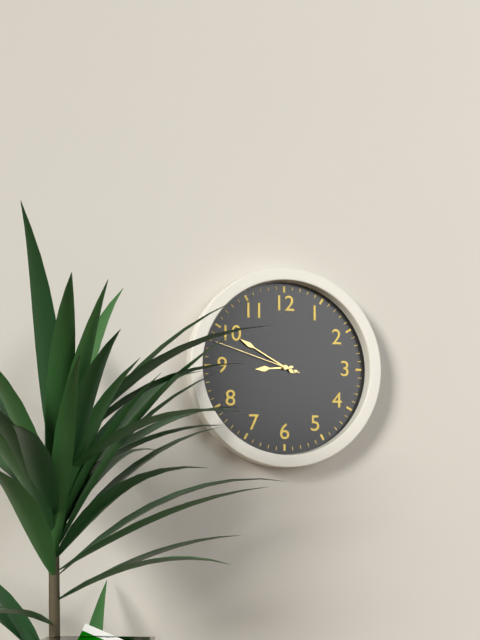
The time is 8:50:48
